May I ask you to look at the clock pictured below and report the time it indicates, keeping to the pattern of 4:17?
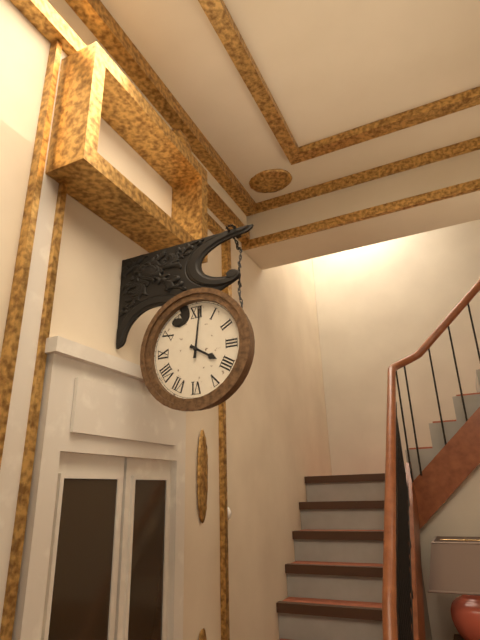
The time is 4:01
